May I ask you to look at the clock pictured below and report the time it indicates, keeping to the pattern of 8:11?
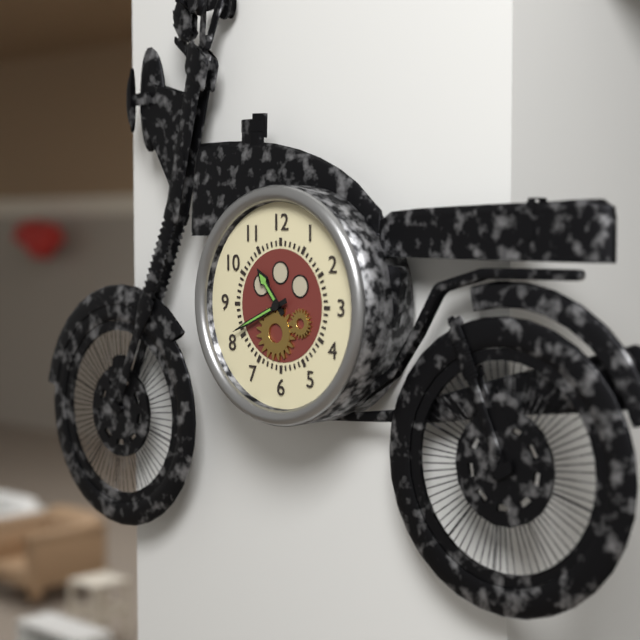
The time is 10:41
